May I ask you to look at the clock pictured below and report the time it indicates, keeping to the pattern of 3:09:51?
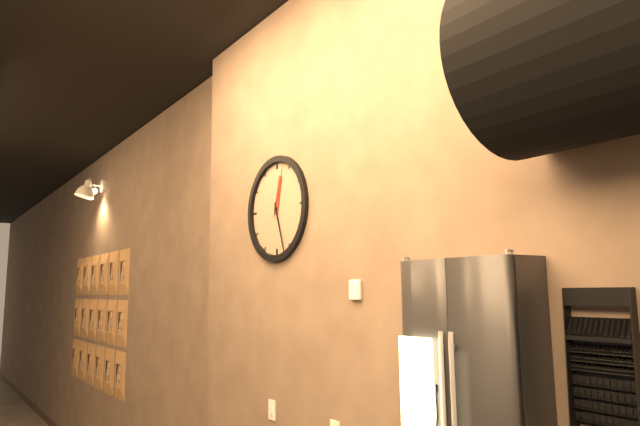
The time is 12:27:03
